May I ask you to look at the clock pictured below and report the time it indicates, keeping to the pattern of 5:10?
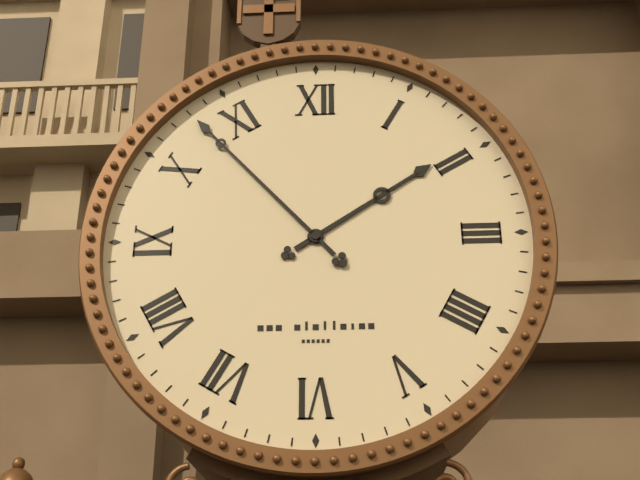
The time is 1:53
